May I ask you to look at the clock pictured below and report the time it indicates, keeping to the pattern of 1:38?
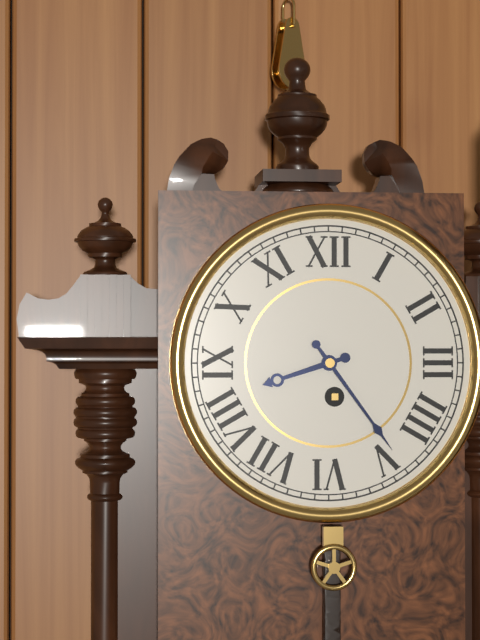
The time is 8:24
